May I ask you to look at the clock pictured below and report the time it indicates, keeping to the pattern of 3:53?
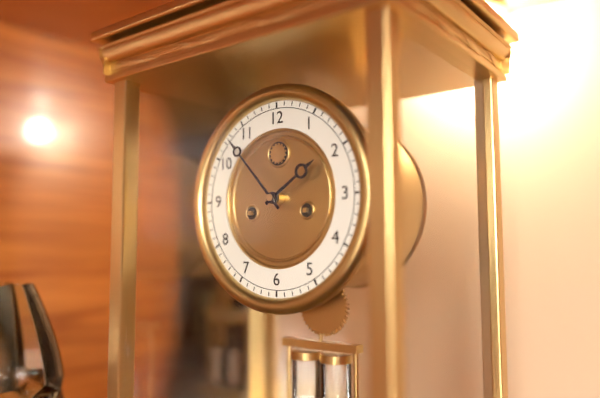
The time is 1:53
